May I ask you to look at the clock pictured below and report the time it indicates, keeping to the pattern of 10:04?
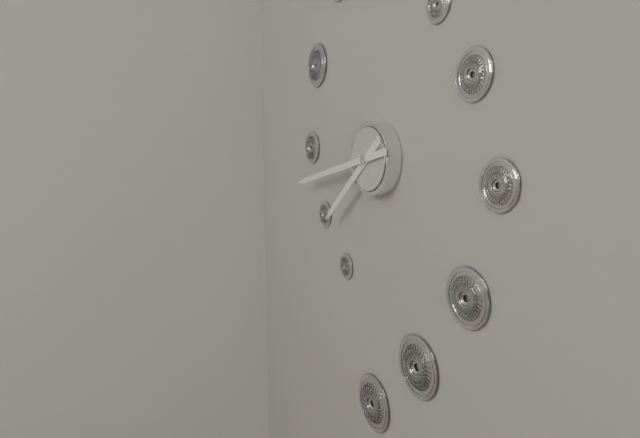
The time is 7:43
